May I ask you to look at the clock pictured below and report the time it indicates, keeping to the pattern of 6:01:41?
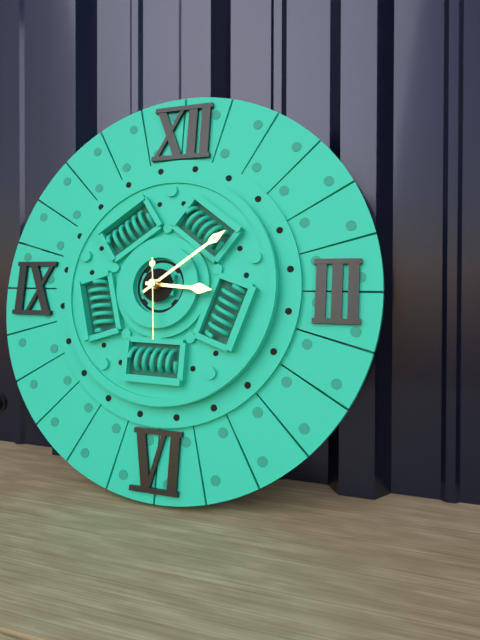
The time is 3:09:29
